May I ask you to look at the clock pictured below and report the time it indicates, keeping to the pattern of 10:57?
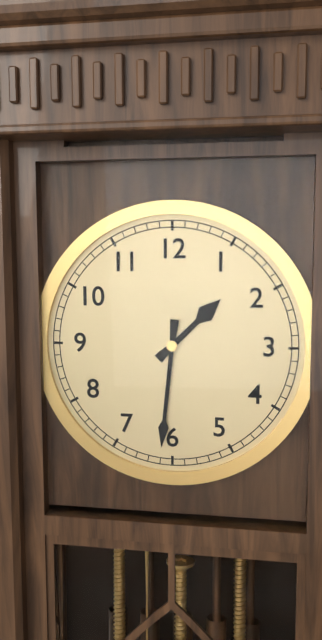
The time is 1:31
